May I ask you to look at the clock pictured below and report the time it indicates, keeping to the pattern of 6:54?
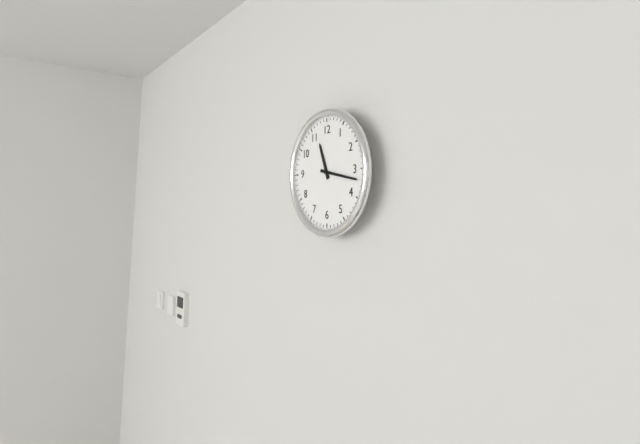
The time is 11:17
